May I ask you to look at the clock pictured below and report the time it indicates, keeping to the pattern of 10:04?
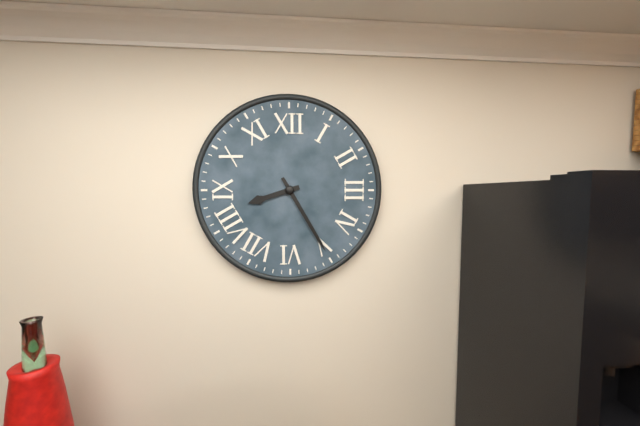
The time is 8:25
